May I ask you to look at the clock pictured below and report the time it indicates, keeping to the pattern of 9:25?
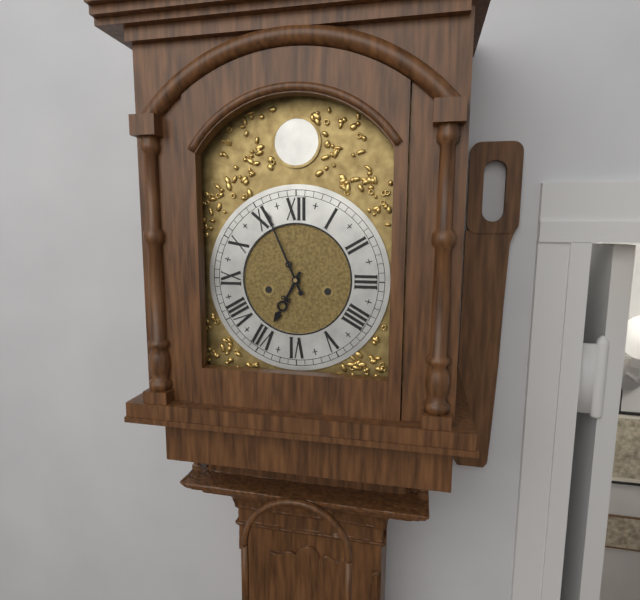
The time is 6:56
